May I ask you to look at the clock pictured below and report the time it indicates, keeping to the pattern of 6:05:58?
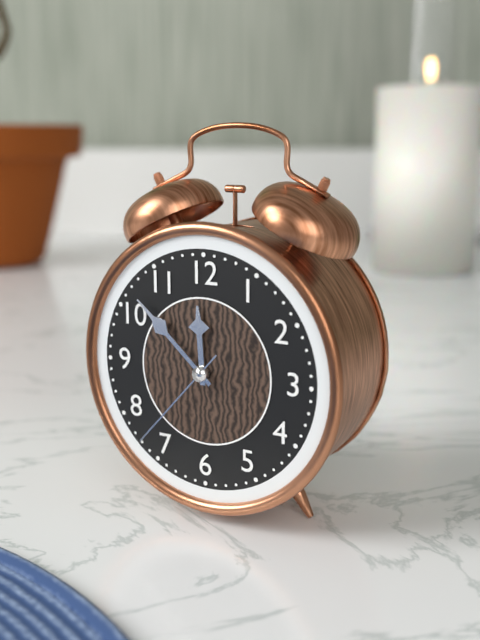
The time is 11:52:37
